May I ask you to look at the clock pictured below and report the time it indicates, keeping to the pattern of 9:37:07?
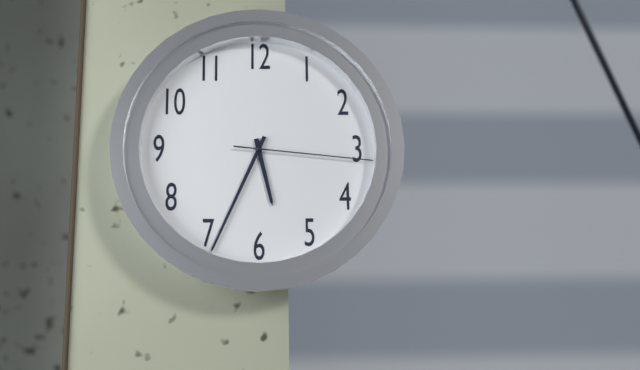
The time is 5:34:16
